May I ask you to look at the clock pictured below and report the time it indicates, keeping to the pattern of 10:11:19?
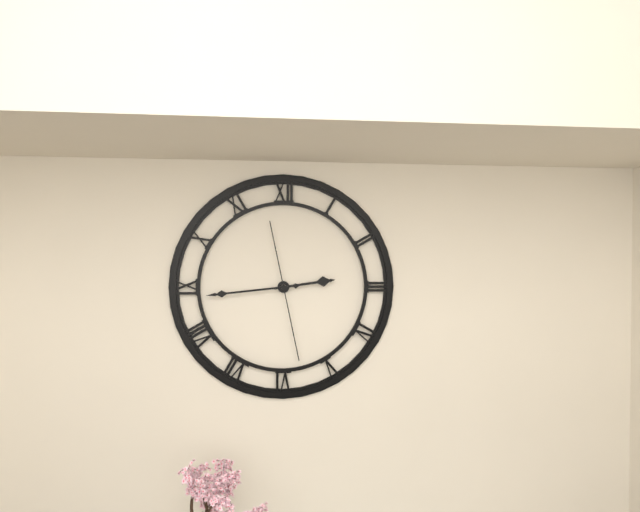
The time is 2:44:28
